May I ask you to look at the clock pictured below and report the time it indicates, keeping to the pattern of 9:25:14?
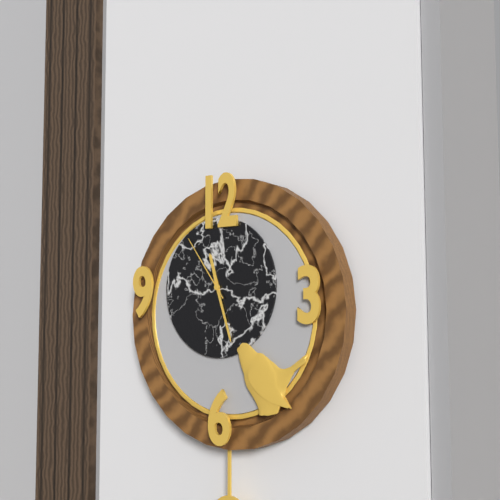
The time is 11:27:54
